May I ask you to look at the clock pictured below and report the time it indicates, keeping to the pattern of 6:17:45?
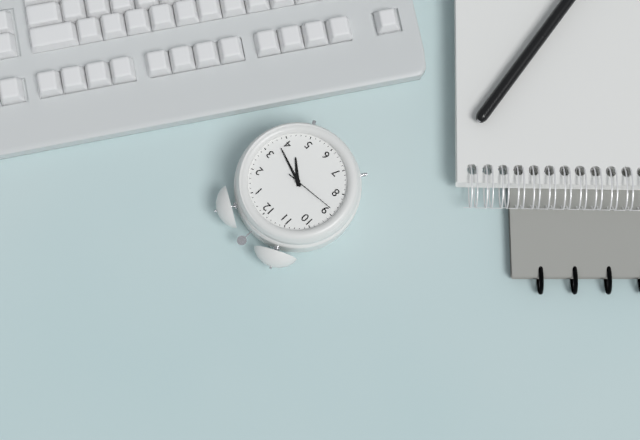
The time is 4:18:44
